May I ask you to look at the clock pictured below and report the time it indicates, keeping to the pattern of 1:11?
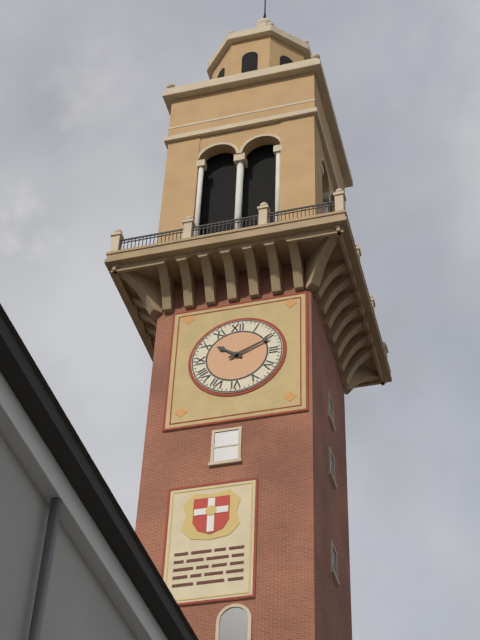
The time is 10:11
